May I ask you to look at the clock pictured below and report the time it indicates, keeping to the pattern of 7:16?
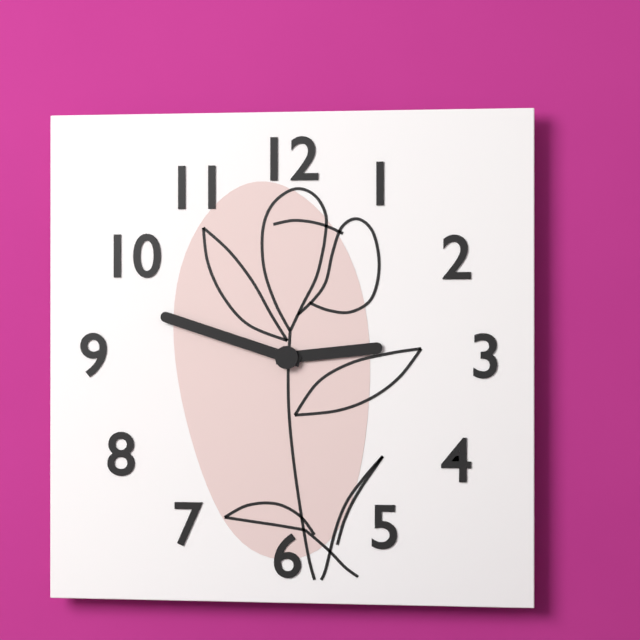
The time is 2:48
